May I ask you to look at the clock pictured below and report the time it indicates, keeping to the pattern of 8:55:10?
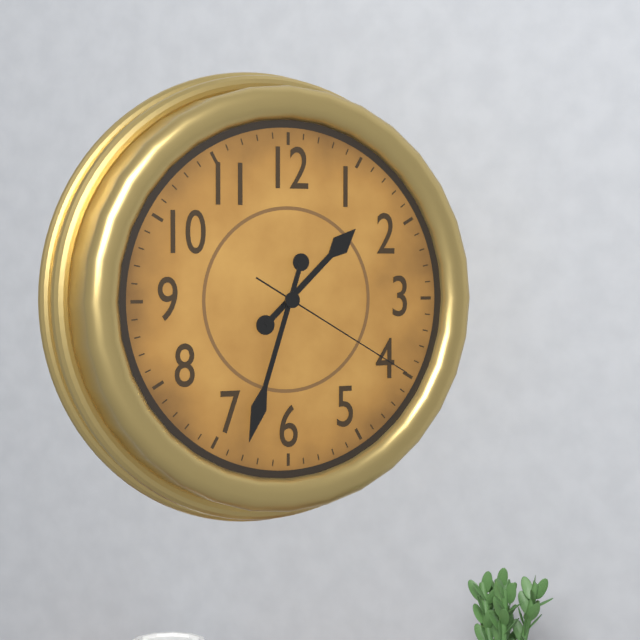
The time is 1:33:20
